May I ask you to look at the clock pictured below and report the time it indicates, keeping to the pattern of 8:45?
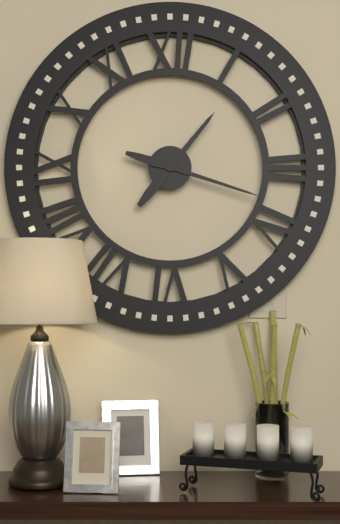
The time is 1:18
